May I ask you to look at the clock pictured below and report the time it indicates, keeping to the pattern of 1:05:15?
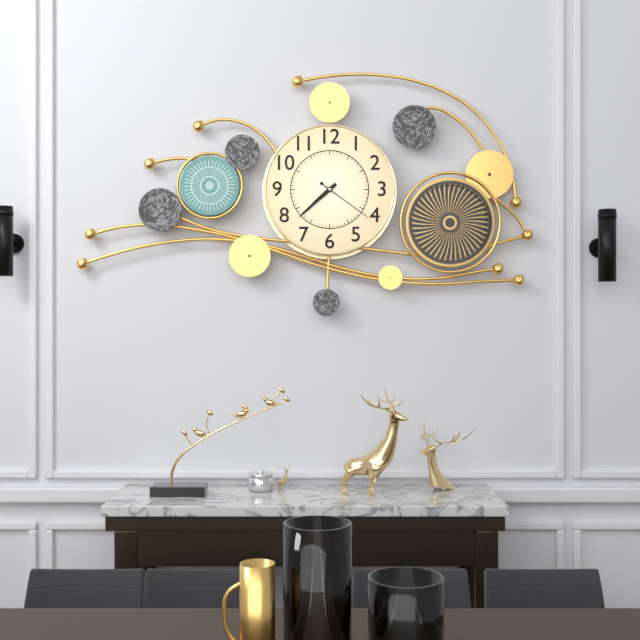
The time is 7:38:21
